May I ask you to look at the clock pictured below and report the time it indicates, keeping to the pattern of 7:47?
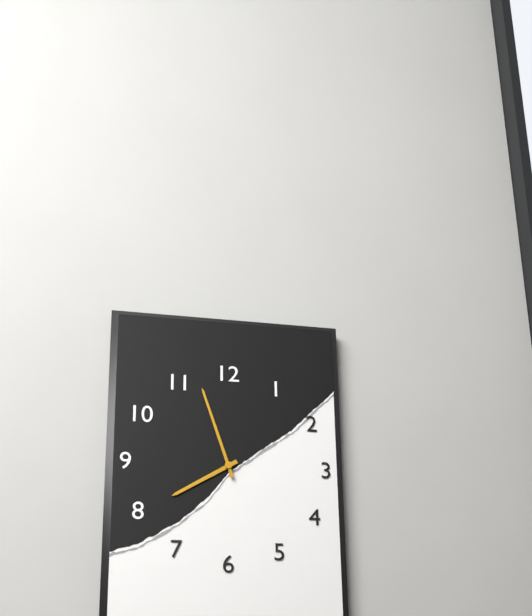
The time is 7:57
